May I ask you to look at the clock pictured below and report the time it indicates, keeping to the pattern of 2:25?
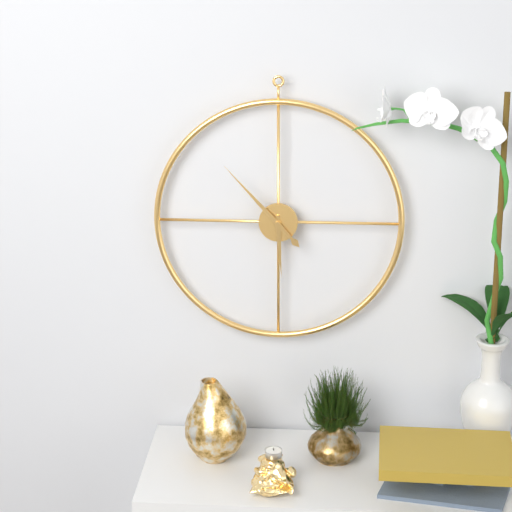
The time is 5:53
